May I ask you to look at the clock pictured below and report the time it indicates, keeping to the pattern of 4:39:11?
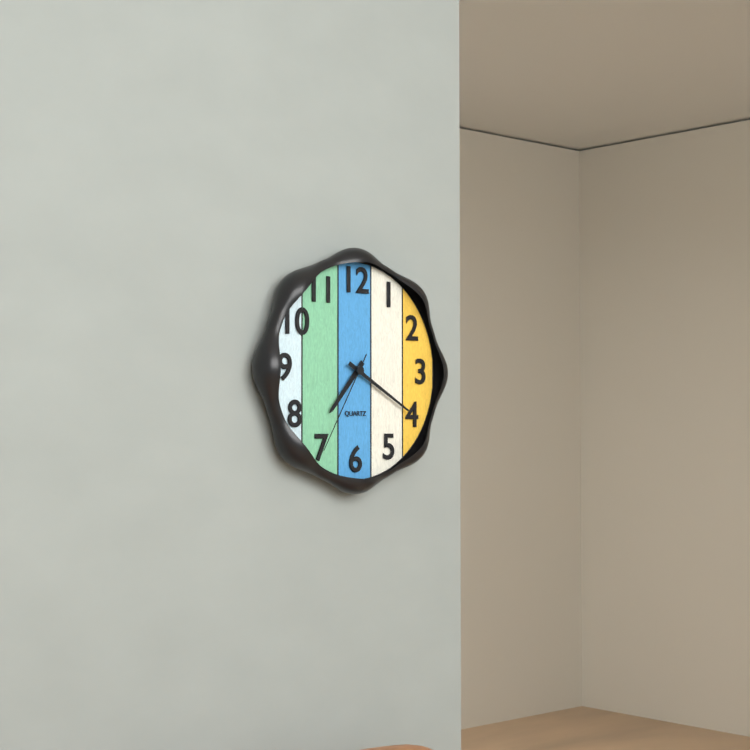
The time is 7:20:35
